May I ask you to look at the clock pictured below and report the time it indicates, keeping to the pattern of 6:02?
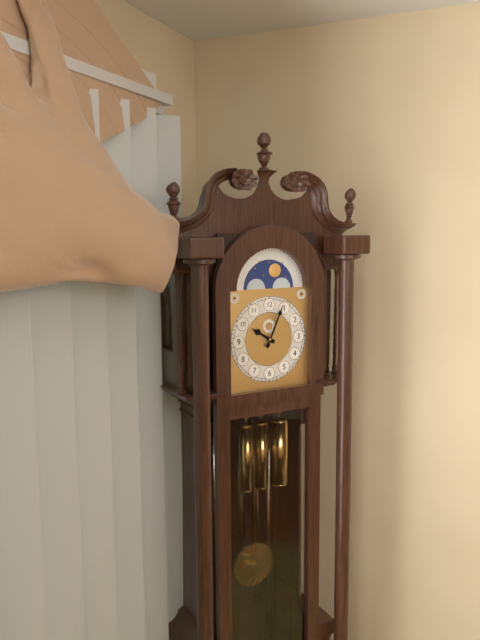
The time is 10:04
